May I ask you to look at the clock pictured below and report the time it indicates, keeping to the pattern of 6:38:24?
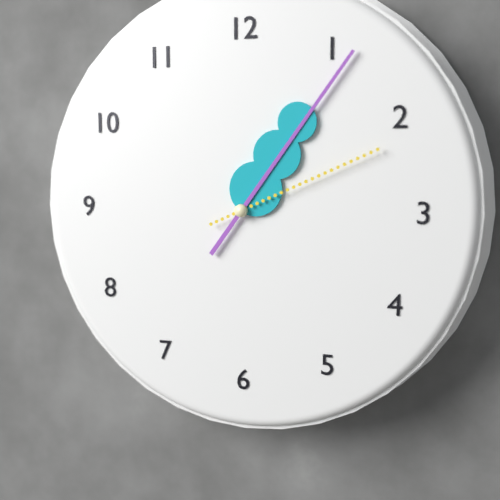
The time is 1:06:11
